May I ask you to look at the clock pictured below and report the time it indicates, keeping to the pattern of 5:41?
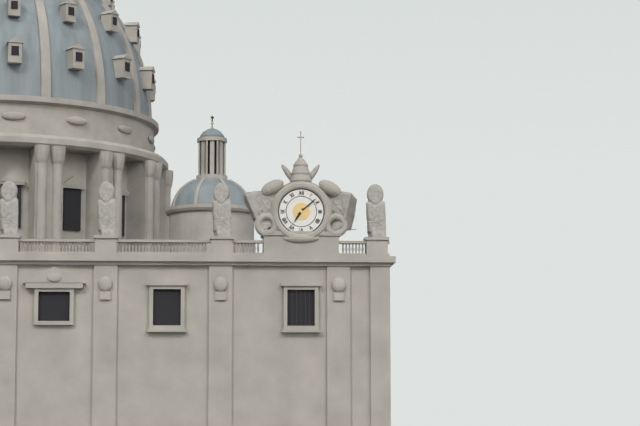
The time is 7:08
